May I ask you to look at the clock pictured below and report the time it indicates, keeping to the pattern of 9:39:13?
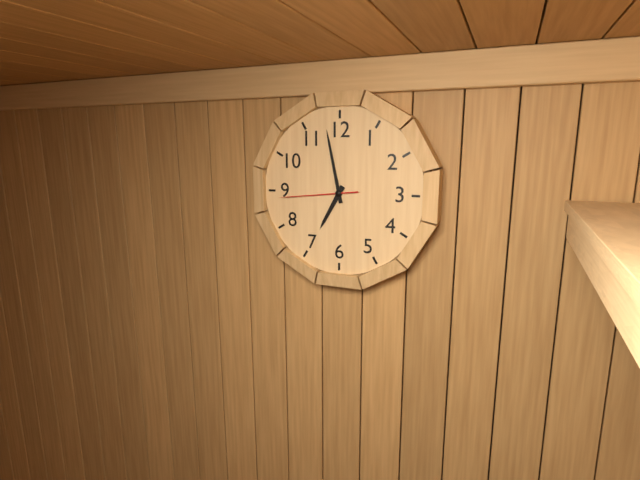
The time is 6:58:44
